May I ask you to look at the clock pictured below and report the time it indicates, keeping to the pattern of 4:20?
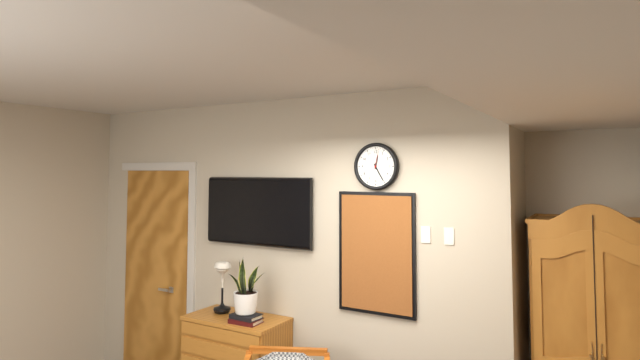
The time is 12:25
